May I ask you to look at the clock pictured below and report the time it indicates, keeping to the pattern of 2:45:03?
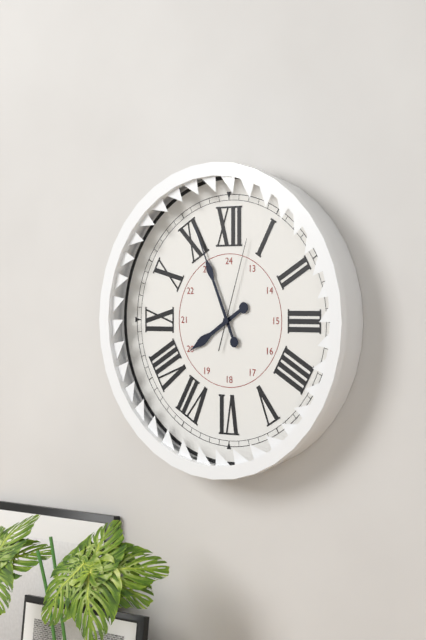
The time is 7:56:03
